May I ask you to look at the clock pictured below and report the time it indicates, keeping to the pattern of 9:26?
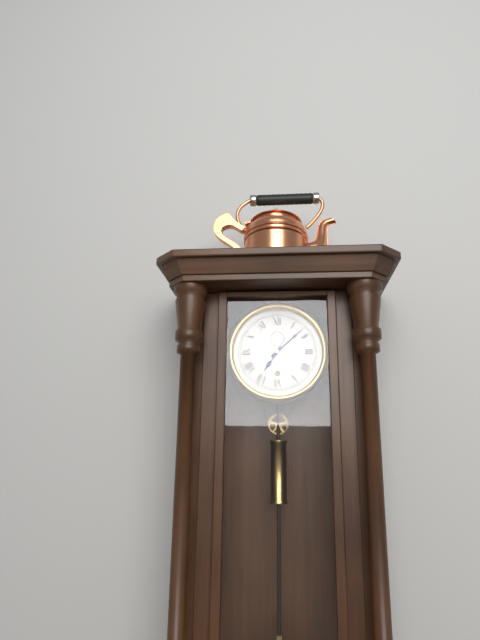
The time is 7:08
